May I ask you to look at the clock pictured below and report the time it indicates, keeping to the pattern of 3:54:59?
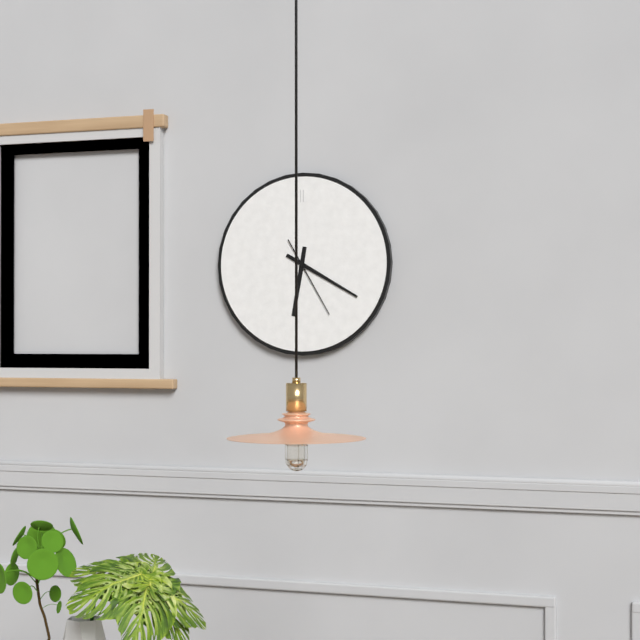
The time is 6:20:25
